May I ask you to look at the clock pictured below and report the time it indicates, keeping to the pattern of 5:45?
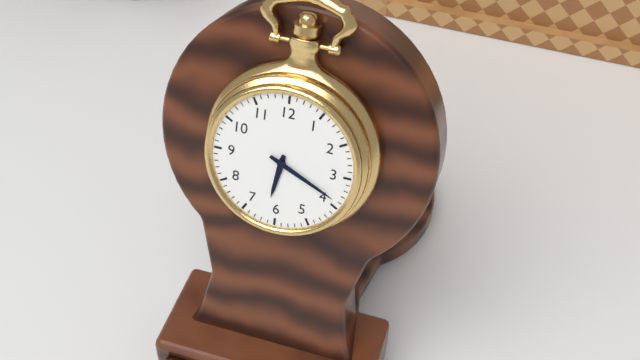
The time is 6:19
